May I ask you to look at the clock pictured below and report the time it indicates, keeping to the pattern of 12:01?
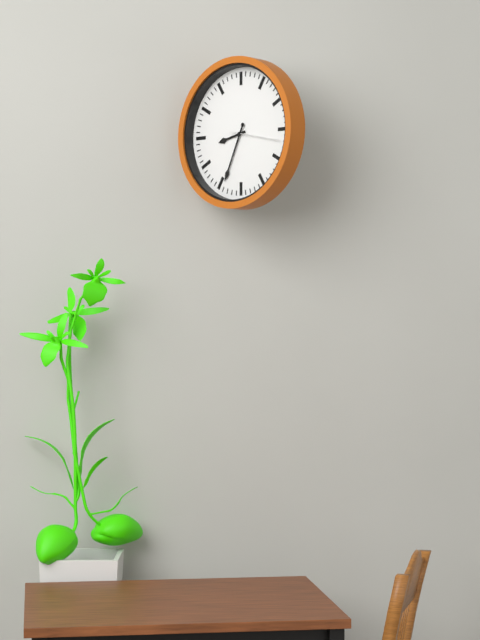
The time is 8:34
